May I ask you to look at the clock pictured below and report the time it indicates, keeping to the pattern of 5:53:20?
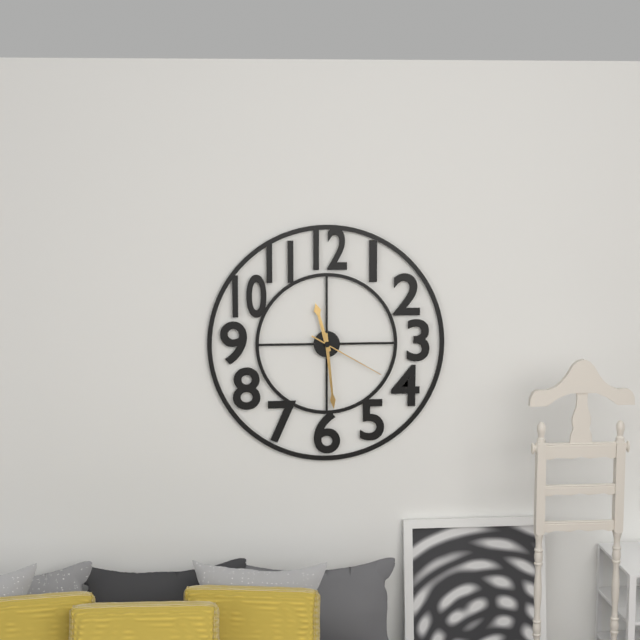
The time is 11:29:20
